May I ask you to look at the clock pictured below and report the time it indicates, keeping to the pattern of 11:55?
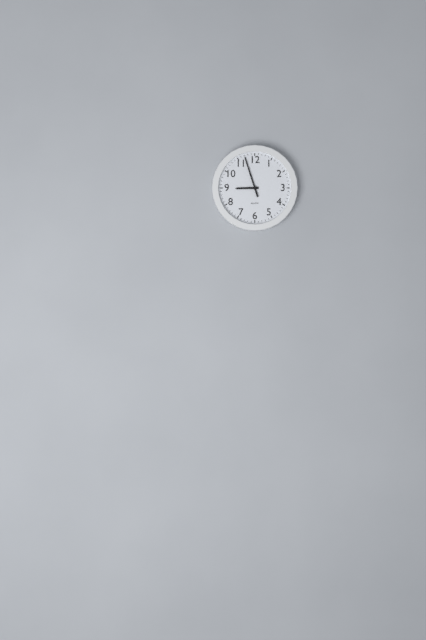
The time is 8:57
